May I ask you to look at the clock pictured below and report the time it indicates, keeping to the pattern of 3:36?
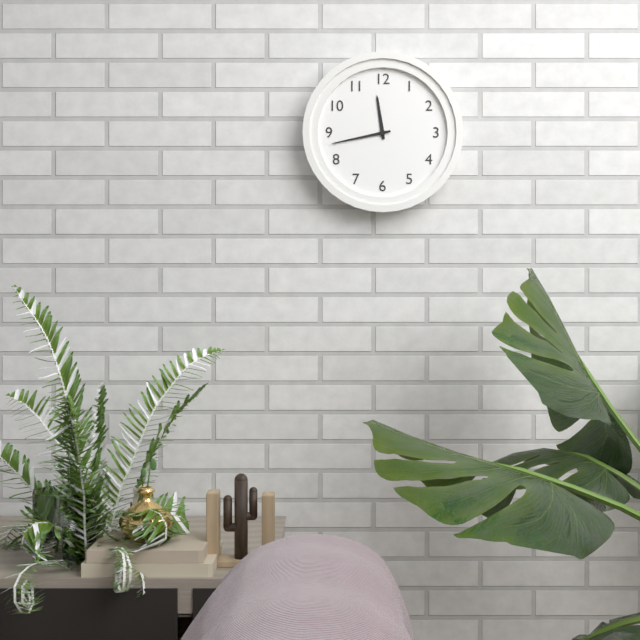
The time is 11:43
